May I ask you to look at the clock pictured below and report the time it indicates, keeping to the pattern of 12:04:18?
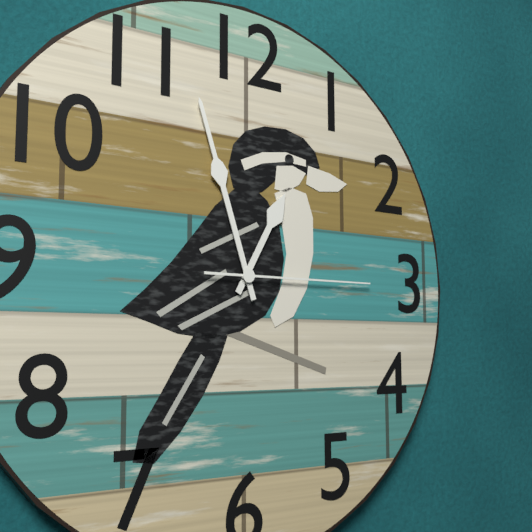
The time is 12:57:15
